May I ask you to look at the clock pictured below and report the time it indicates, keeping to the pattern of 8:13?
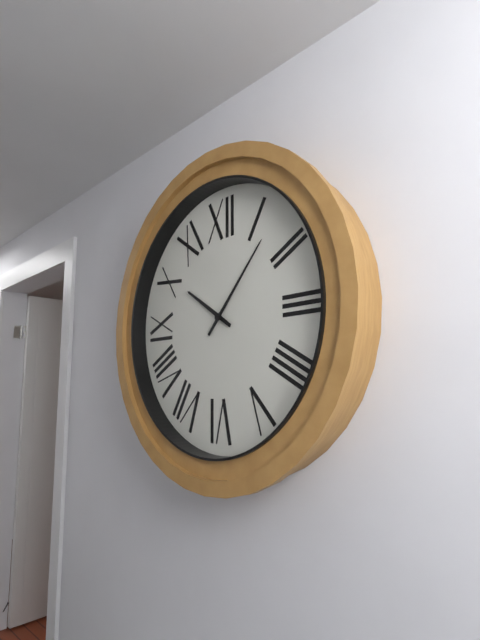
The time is 10:07
